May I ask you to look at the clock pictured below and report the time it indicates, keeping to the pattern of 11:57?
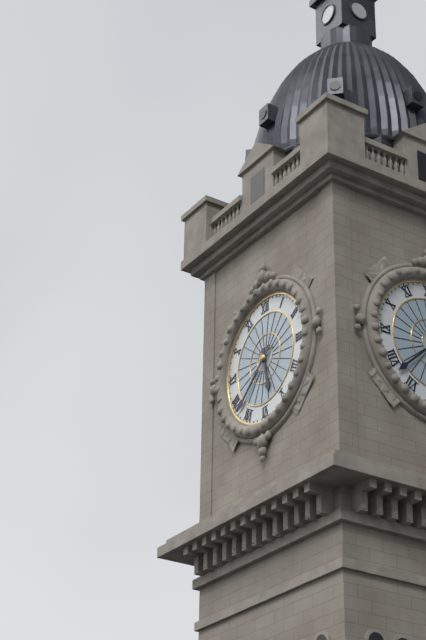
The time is 5:38
